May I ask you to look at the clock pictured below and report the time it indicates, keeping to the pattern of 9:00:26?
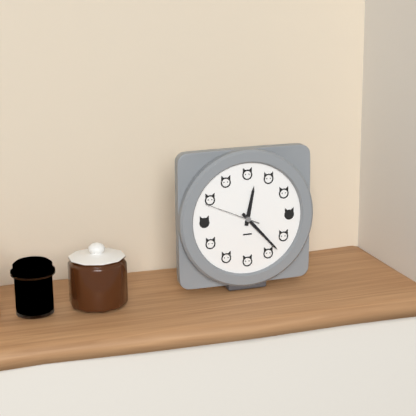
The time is 12:23:49
